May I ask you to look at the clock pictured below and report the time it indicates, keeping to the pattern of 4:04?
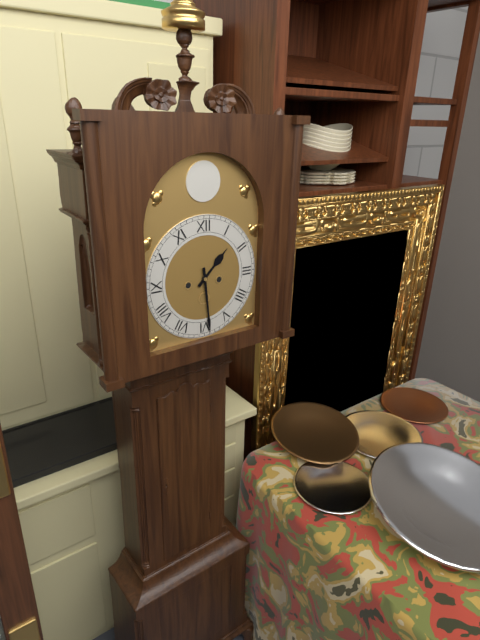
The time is 1:29
